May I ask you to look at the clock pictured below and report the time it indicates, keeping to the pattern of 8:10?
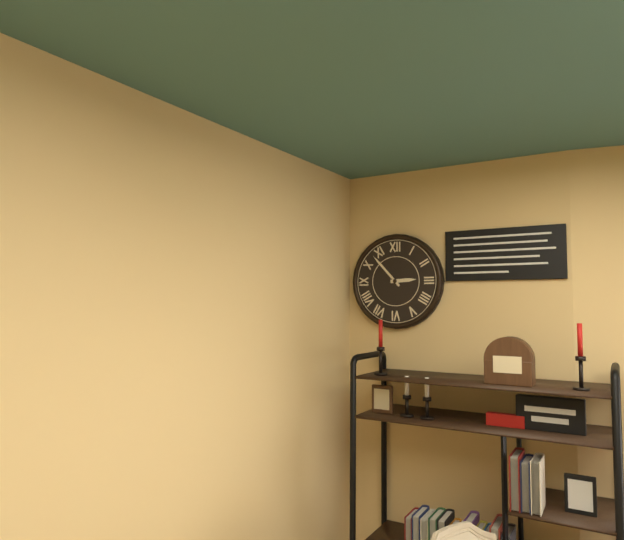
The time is 2:53
